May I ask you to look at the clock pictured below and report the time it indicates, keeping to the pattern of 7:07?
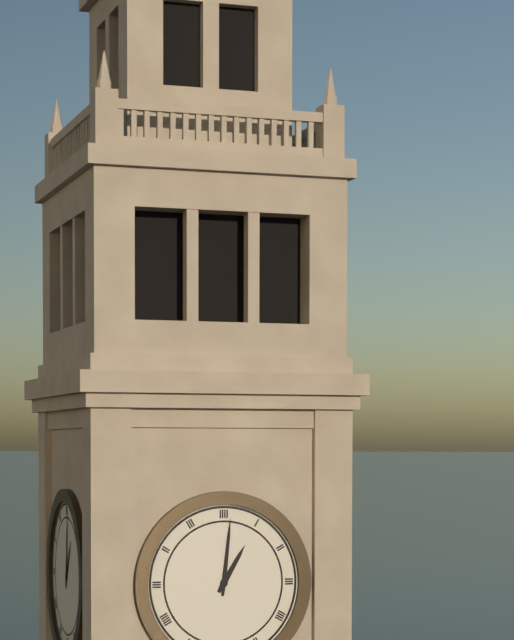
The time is 1:01
